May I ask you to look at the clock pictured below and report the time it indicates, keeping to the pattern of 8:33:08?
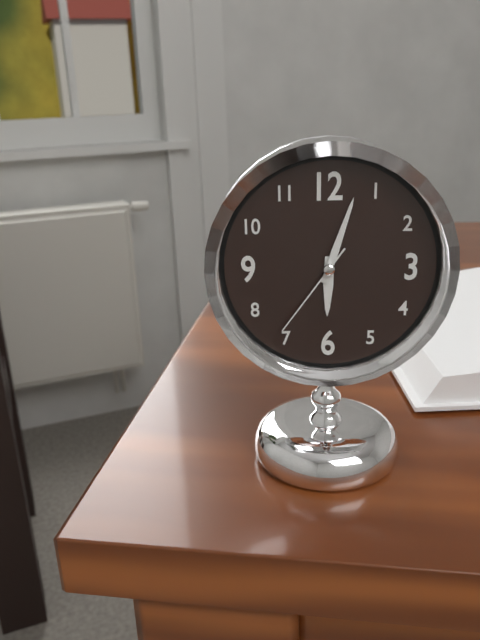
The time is 6:03:36
